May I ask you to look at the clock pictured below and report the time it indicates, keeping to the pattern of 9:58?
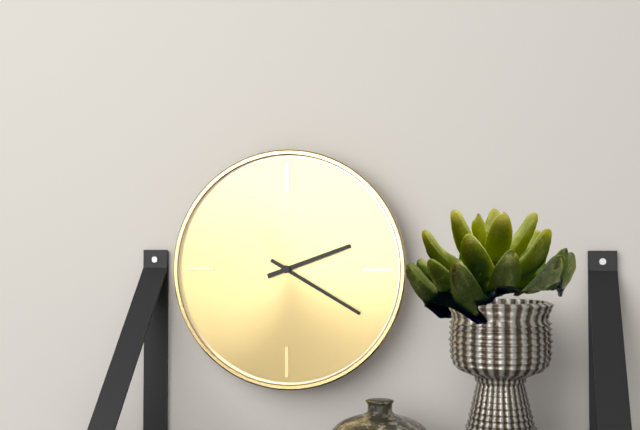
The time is 2:20
